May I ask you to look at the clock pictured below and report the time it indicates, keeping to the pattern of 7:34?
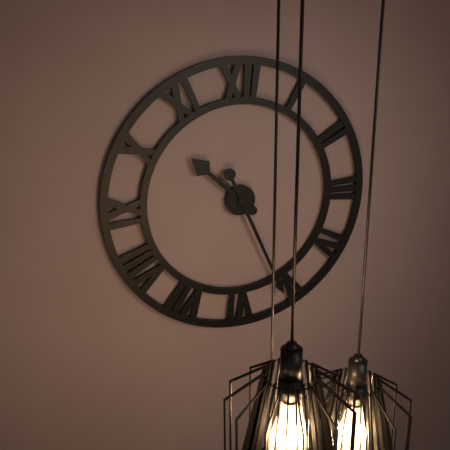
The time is 10:26
